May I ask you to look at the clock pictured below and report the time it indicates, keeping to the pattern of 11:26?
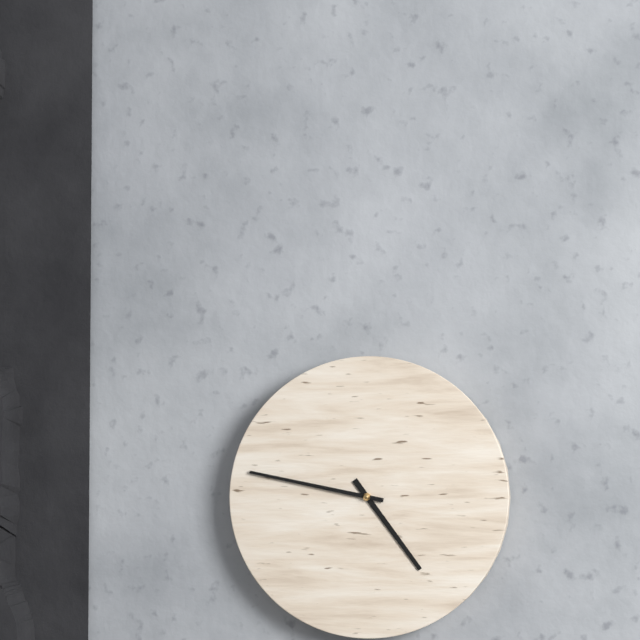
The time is 4:47
